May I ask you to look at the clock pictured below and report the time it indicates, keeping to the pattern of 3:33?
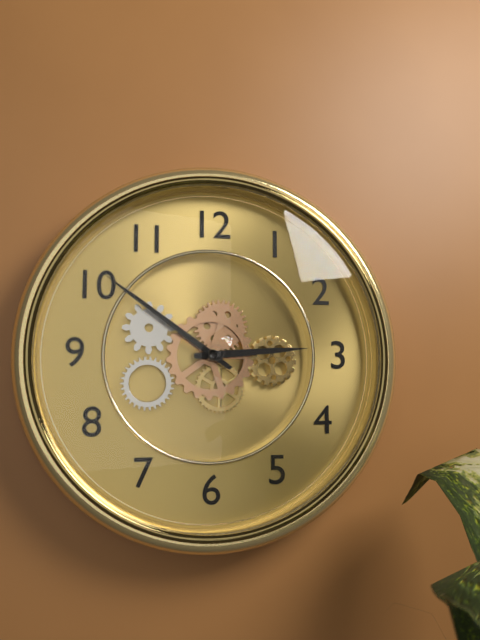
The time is 2:51
